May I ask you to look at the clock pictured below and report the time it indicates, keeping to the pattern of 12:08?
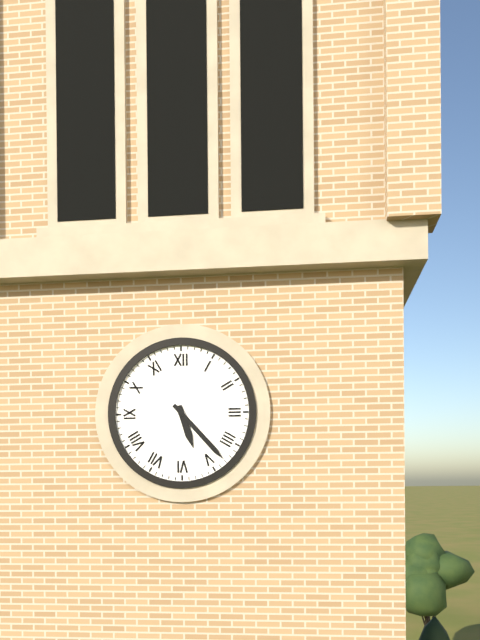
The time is 5:23
